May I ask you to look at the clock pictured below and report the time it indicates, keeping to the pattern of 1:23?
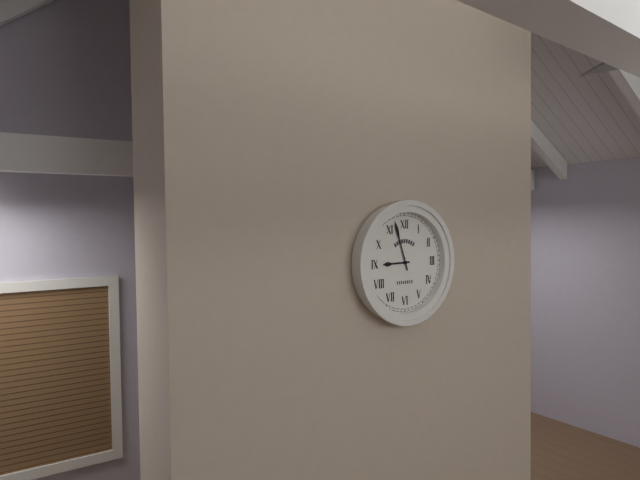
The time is 8:57
